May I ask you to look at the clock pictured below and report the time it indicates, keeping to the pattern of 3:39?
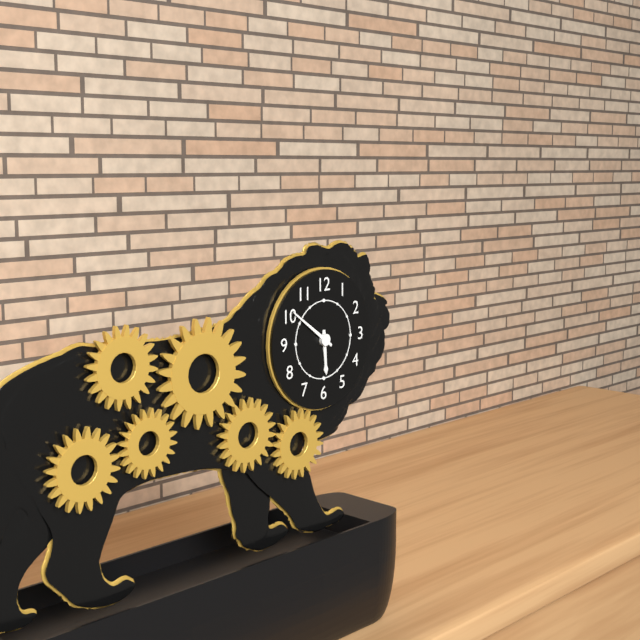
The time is 5:51
